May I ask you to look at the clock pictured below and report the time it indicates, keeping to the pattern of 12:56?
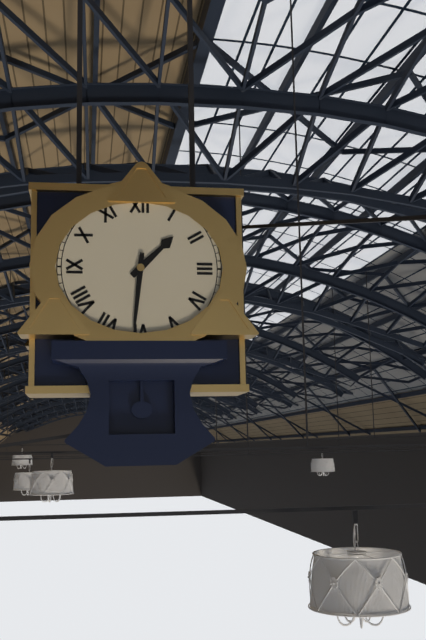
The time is 1:31
